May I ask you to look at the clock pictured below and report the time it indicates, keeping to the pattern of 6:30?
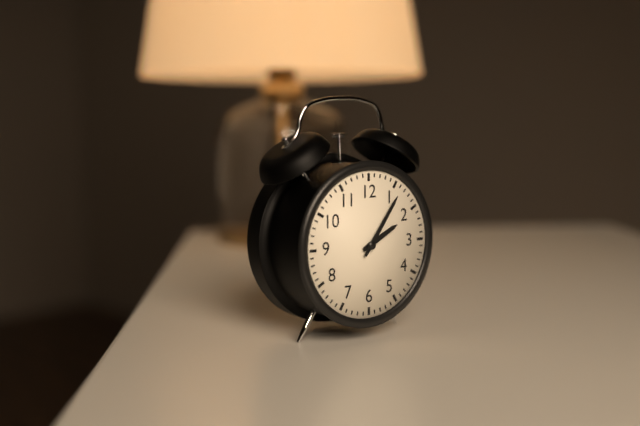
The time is 2:06
